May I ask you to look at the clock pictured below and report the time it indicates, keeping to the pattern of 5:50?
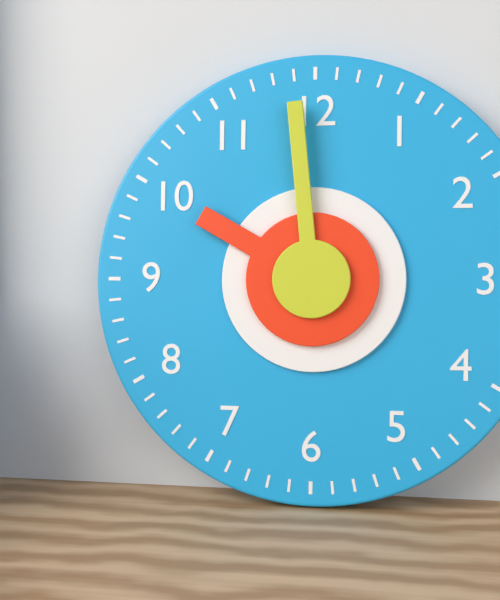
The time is 9:59
